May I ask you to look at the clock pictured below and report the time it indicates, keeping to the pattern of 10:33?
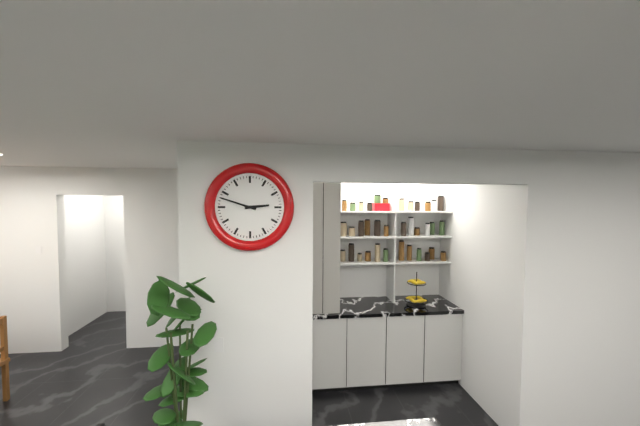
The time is 2:48
